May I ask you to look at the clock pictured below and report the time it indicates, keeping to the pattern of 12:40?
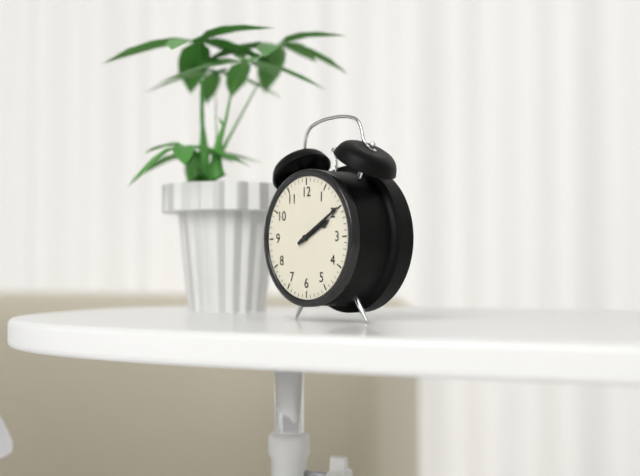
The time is 2:10
